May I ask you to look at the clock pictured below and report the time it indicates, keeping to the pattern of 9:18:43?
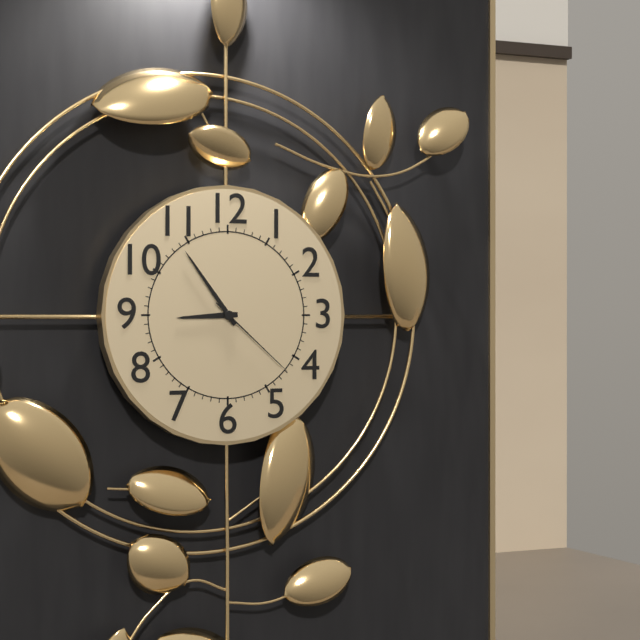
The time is 8:54:22
